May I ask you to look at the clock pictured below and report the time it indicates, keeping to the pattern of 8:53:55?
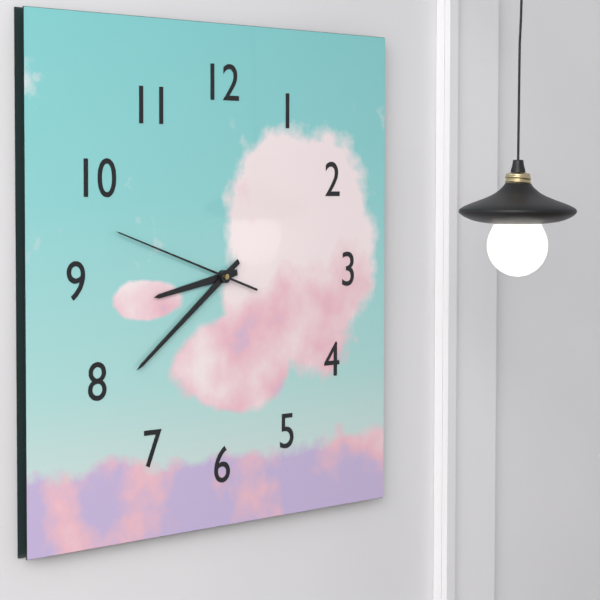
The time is 8:39:48
